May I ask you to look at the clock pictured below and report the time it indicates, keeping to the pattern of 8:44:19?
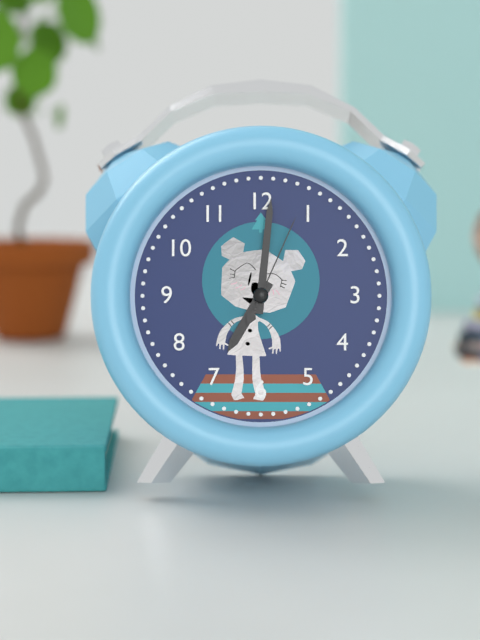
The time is 7:01:04
